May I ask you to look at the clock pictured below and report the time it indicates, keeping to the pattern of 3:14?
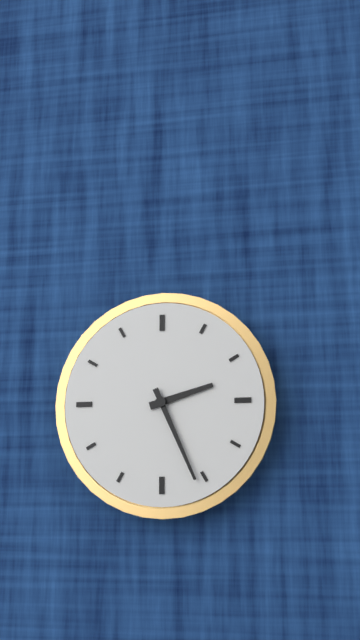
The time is 2:26
